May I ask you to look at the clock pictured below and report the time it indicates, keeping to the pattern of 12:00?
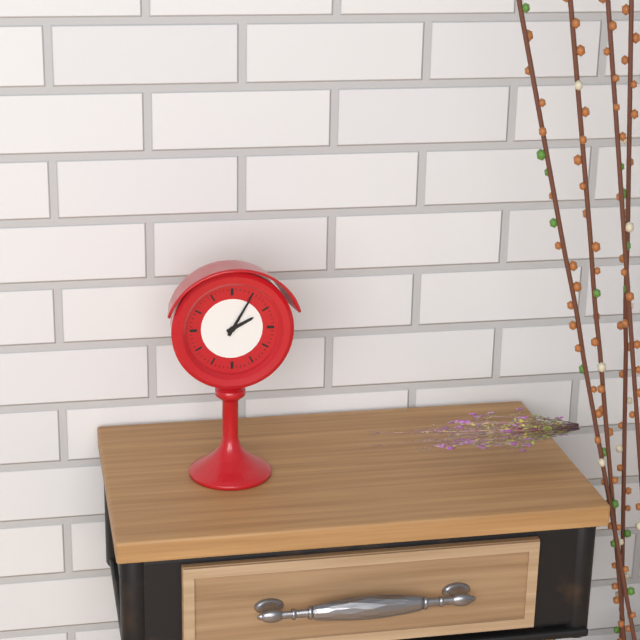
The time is 2:05
